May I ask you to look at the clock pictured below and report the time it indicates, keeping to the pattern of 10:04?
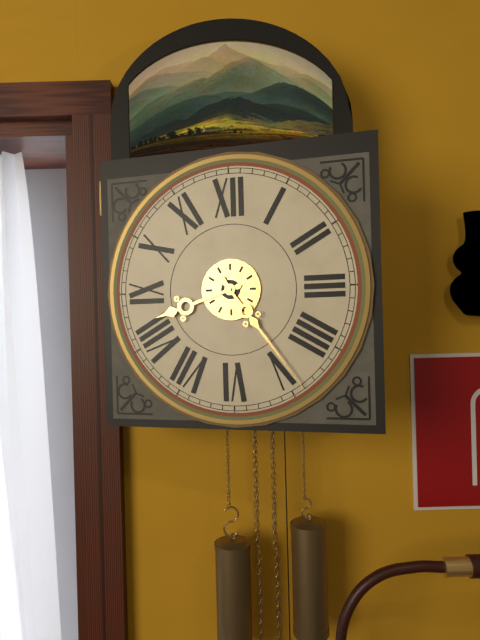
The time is 8:24
